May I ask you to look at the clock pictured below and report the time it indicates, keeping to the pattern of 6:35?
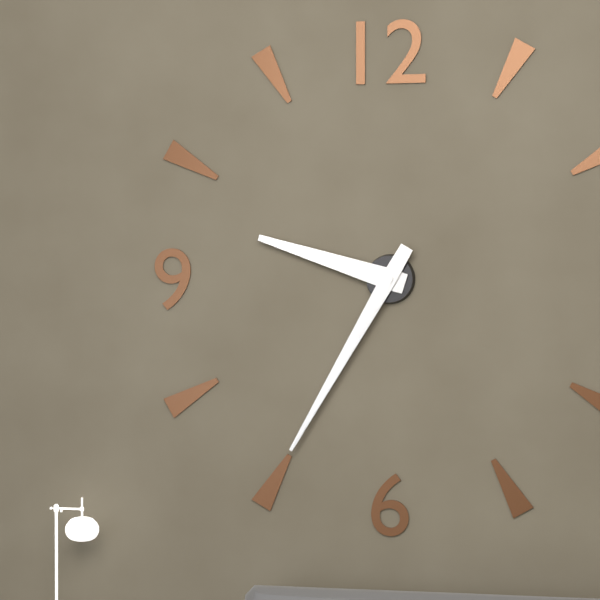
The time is 9:35
